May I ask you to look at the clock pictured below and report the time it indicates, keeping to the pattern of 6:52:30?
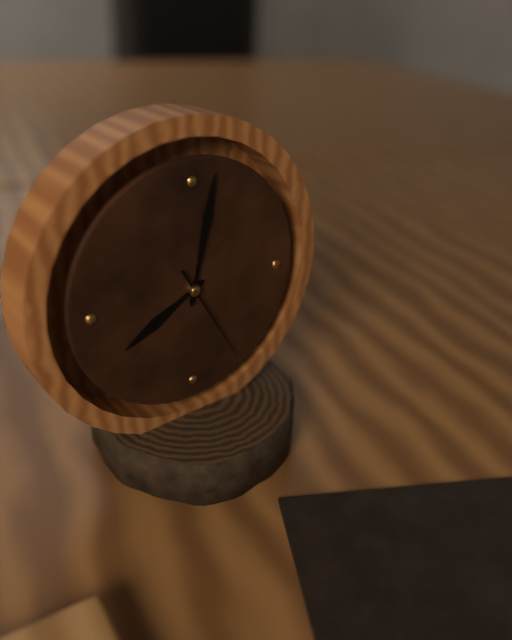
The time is 8:02:25
